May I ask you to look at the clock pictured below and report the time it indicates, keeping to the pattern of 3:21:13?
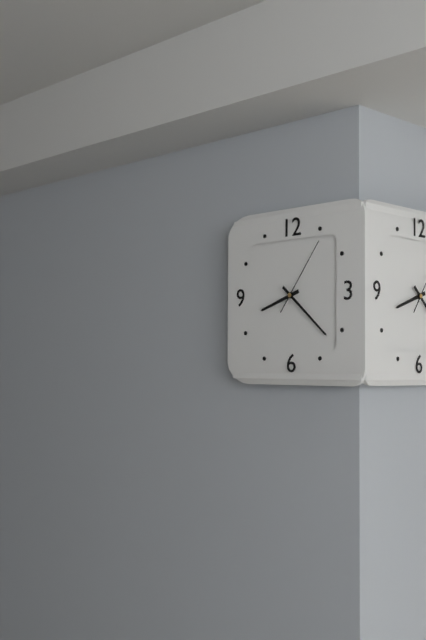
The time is 8:22:06
